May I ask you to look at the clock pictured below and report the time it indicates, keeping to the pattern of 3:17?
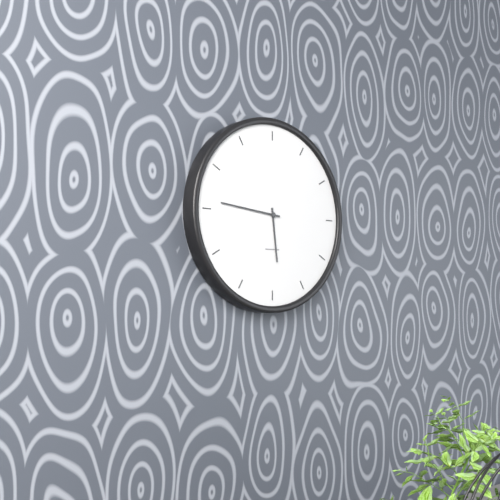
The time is 5:46
